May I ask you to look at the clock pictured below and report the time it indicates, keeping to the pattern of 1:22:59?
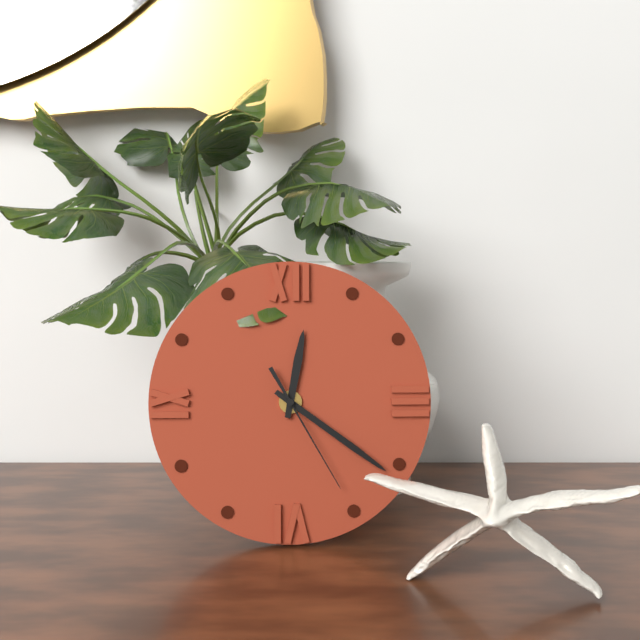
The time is 12:21:25
